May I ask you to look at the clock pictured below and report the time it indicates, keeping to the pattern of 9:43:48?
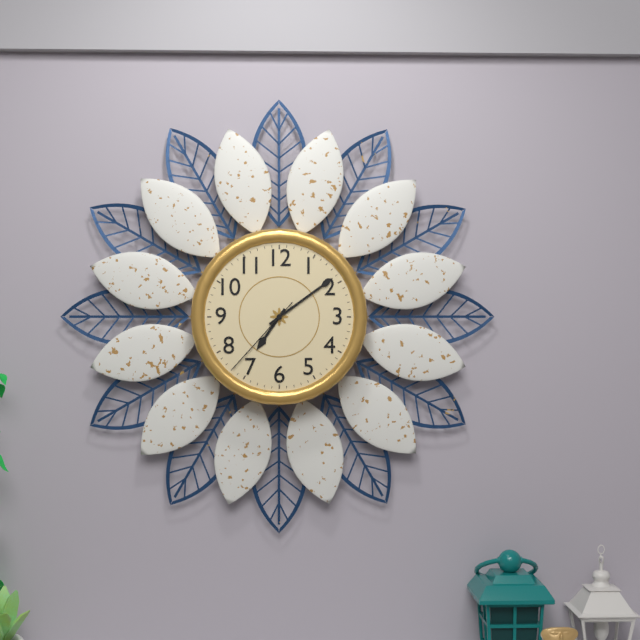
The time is 7:09:37
